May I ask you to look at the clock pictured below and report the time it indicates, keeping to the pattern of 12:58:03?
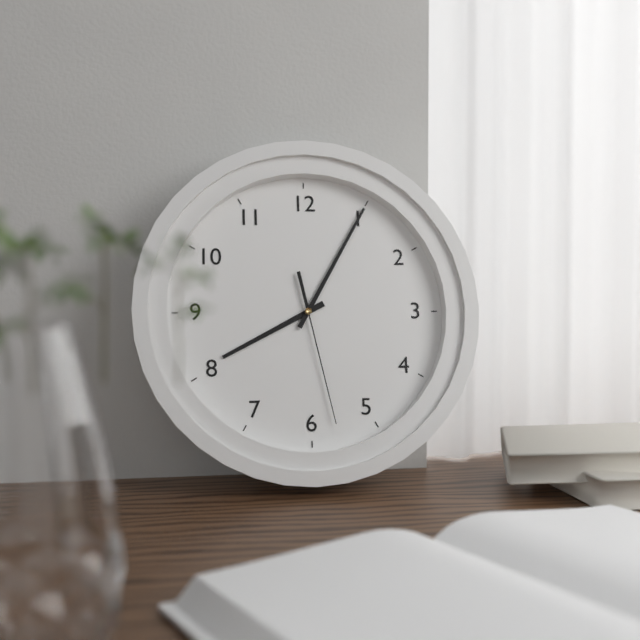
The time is 8:05:28
